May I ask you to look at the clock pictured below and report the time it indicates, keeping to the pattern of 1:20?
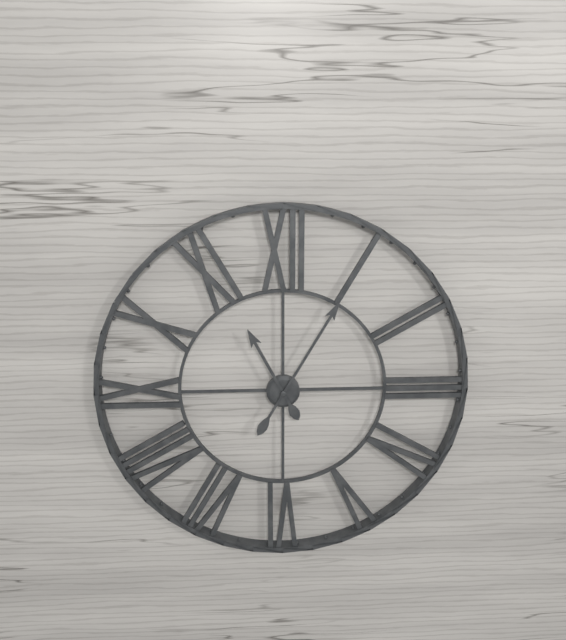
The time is 11:05
